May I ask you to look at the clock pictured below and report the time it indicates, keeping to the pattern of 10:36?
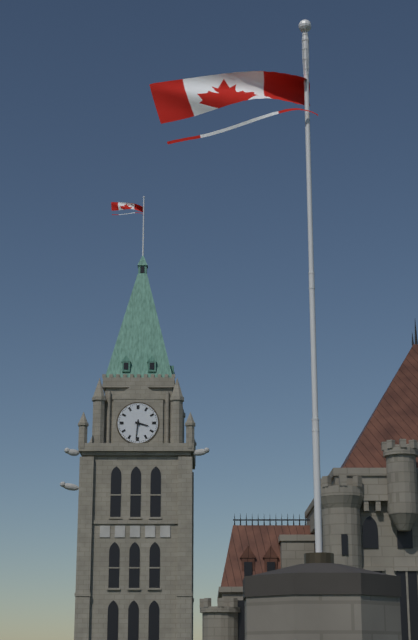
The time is 3:31
